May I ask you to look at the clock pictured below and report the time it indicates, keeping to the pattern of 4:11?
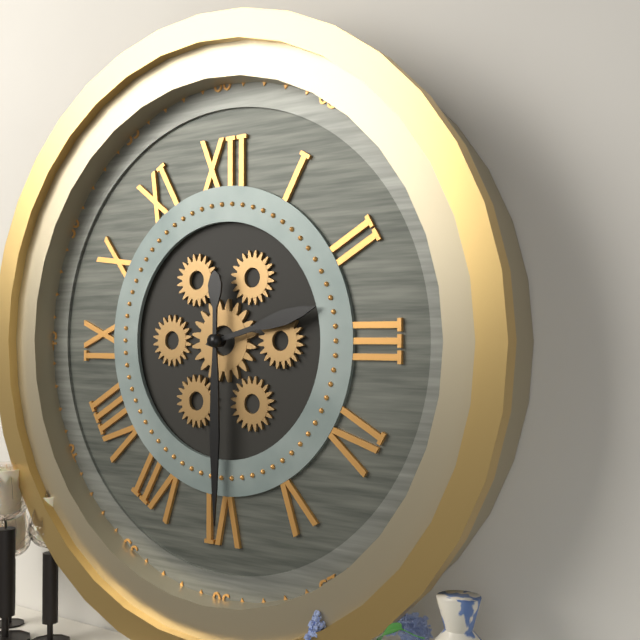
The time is 2:30
